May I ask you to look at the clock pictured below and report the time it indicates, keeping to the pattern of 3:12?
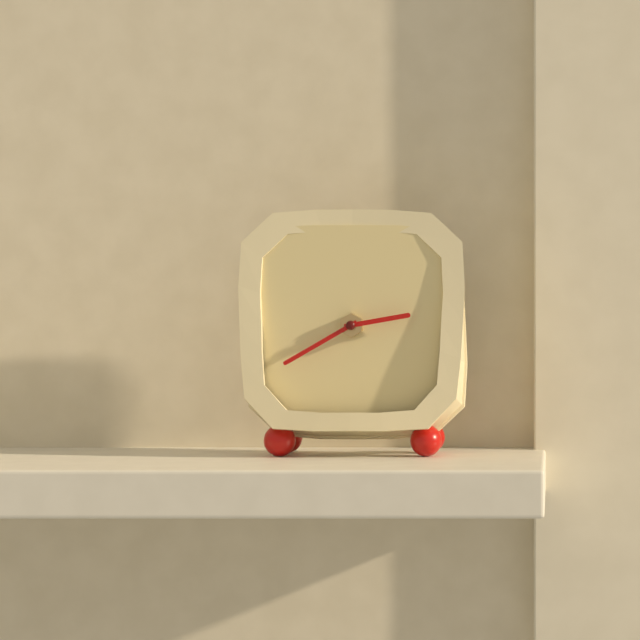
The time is 2:40
